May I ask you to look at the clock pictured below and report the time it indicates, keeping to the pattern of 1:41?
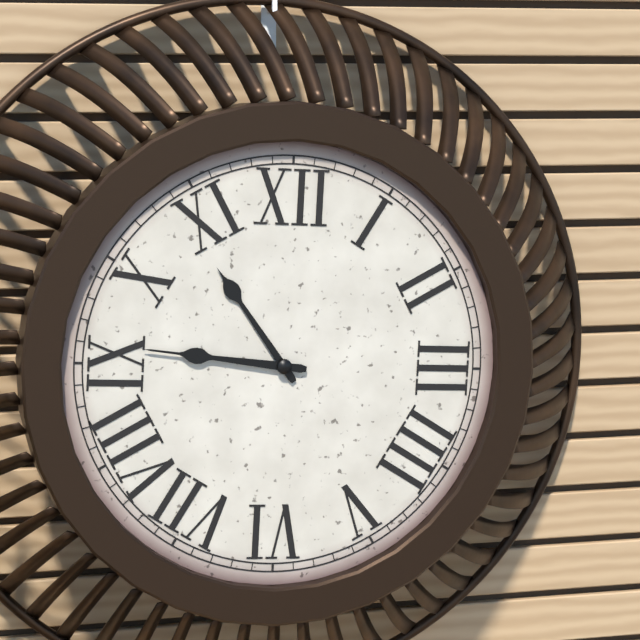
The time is 10:46
